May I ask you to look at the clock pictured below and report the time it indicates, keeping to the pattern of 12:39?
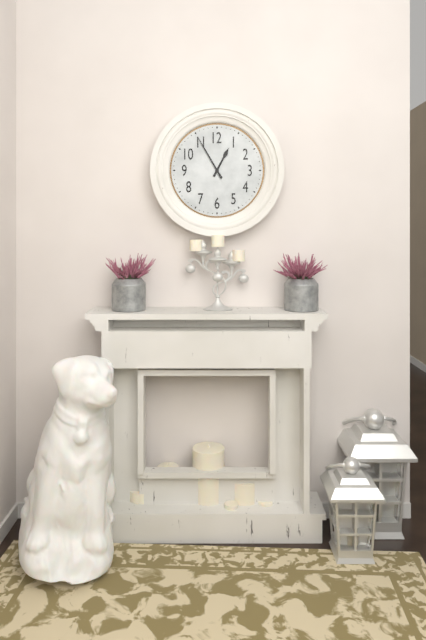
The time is 12:55
